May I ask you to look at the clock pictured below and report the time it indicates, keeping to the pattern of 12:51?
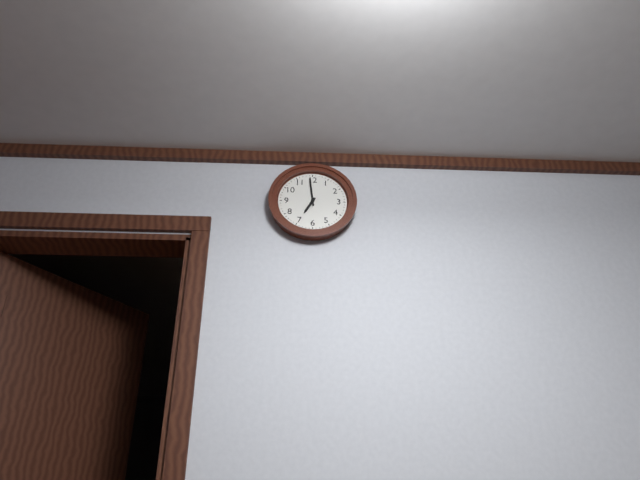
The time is 6:59
